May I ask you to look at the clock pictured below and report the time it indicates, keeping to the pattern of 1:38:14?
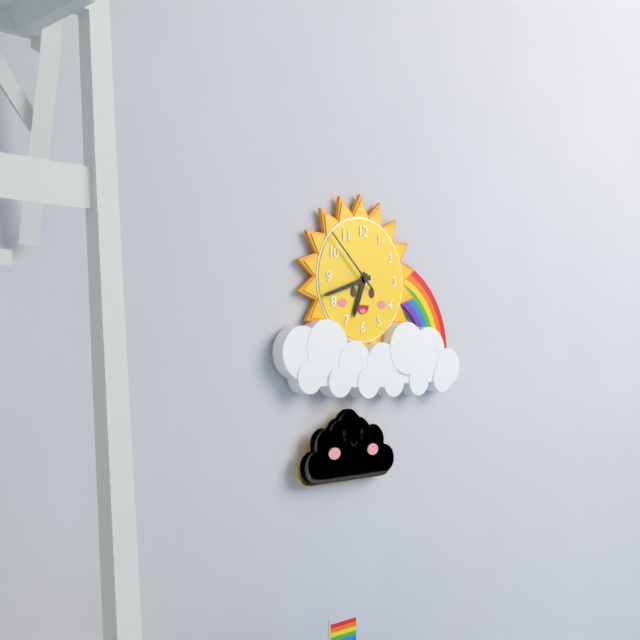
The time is 6:42:52
